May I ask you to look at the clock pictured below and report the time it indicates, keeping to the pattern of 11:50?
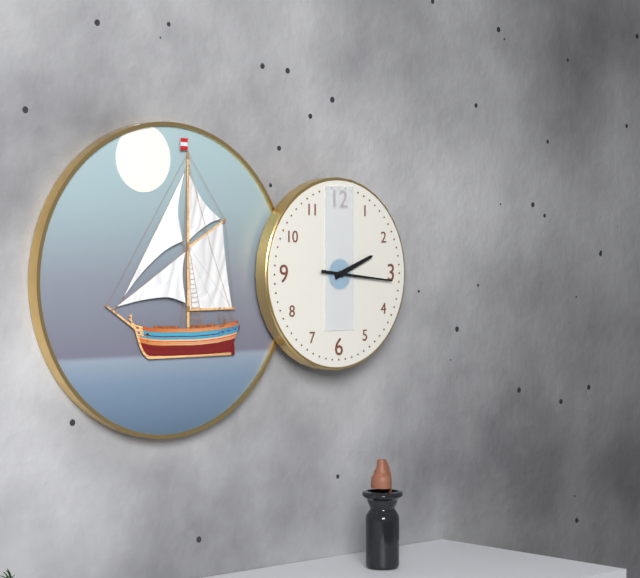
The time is 2:16
